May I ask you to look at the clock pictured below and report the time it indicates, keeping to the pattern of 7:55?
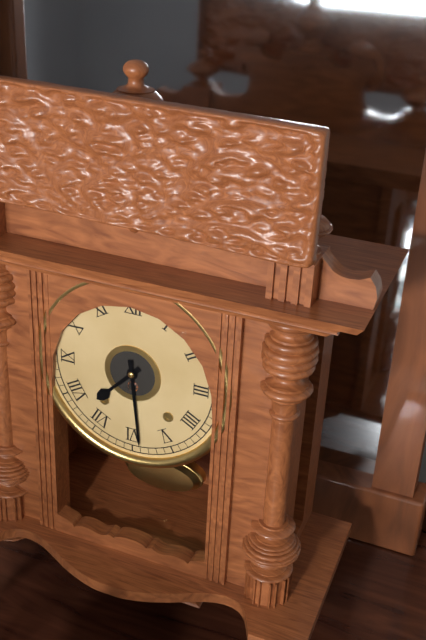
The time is 7:29
